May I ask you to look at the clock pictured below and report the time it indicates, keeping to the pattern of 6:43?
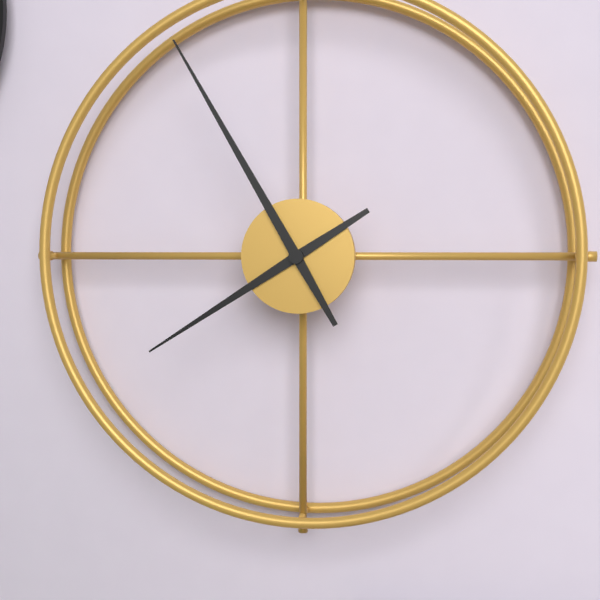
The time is 7:55
